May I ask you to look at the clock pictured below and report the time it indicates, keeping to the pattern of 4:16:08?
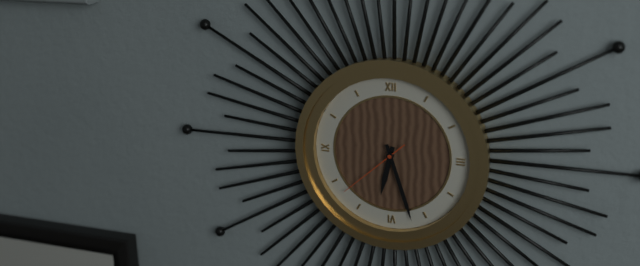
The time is 6:27:38
